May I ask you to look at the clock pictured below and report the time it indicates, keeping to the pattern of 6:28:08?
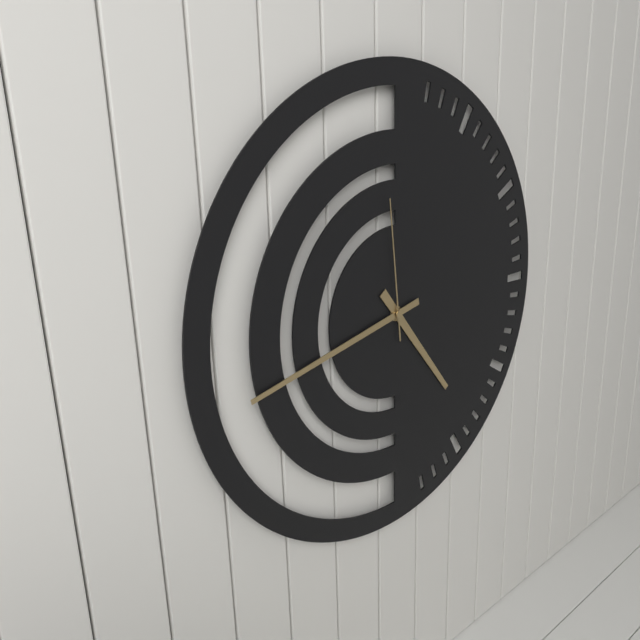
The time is 4:43:59
